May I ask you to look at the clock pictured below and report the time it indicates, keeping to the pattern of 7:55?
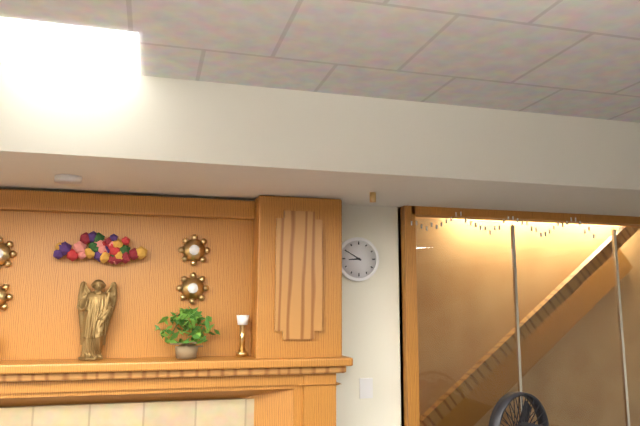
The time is 8:50
